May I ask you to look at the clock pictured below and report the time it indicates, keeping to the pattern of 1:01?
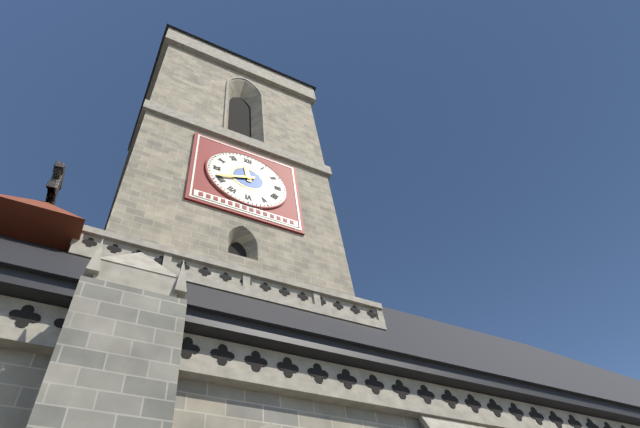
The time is 11:41
